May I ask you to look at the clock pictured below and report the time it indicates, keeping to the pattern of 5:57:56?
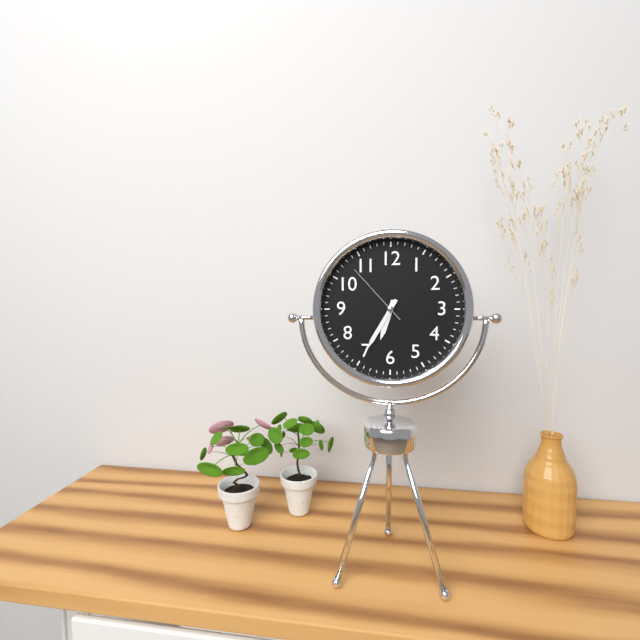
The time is 6:35:53
